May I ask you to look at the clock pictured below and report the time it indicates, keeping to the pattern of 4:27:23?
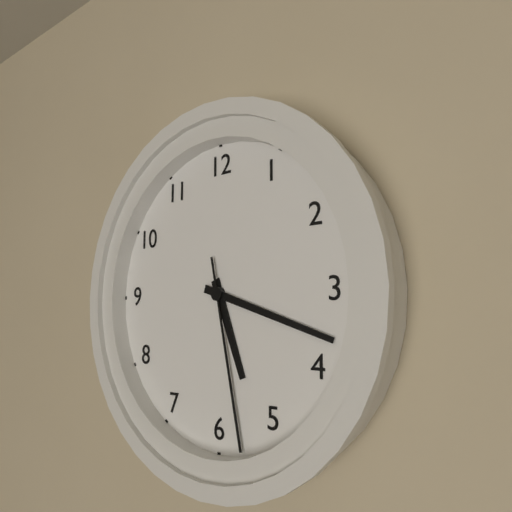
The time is 5:18:28
